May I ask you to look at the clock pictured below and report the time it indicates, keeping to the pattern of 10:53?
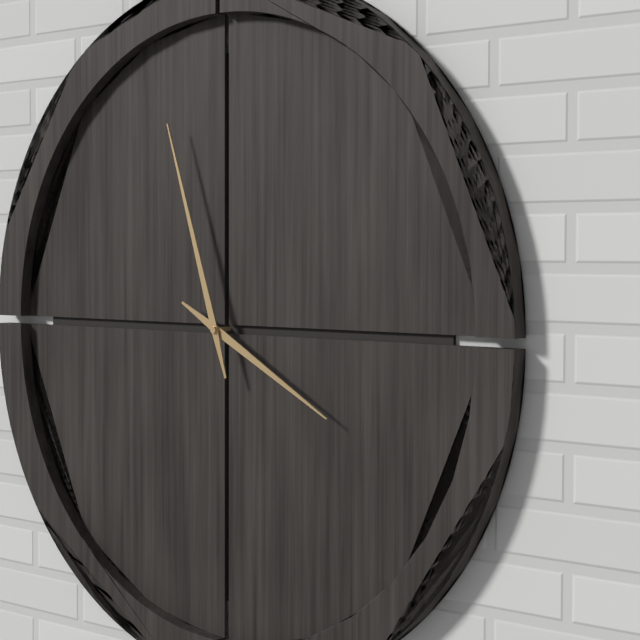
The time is 3:57
